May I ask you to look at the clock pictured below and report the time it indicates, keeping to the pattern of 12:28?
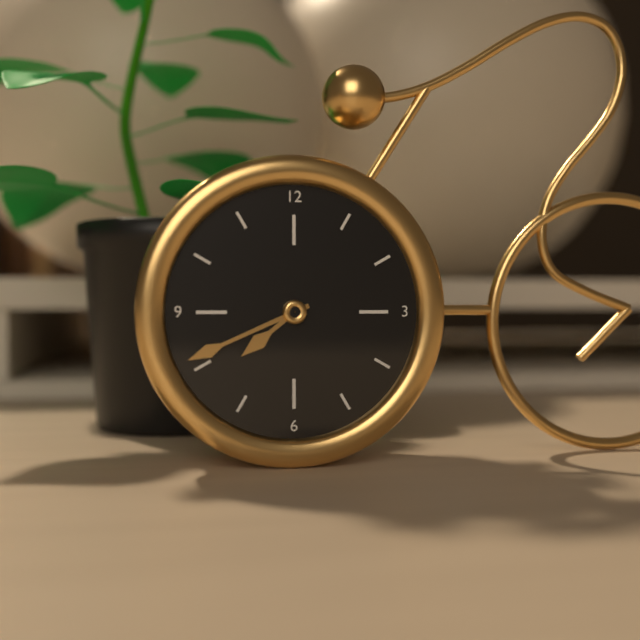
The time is 7:41
